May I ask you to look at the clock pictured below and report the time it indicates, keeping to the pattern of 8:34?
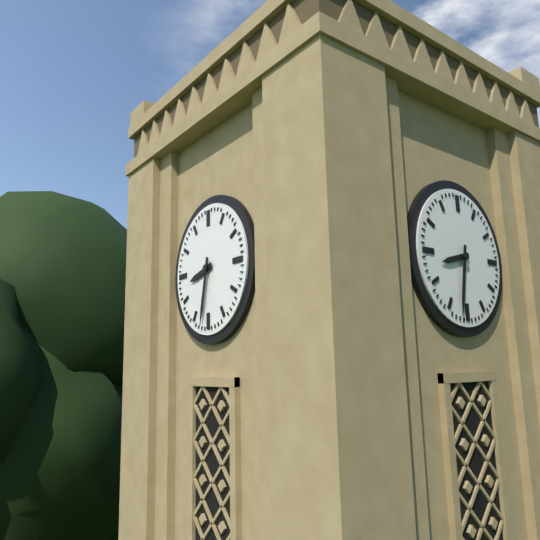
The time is 8:32
